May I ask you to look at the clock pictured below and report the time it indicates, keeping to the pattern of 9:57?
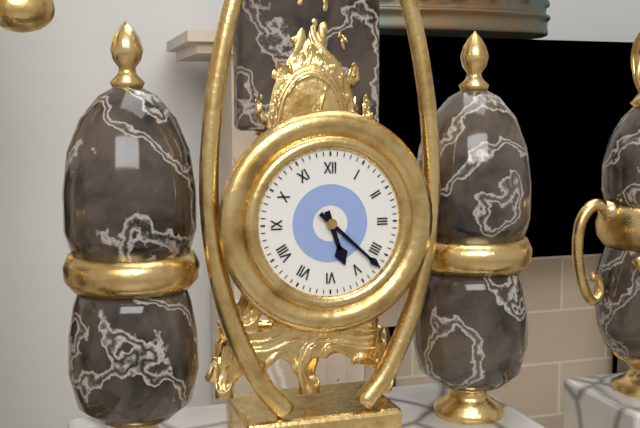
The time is 5:22
